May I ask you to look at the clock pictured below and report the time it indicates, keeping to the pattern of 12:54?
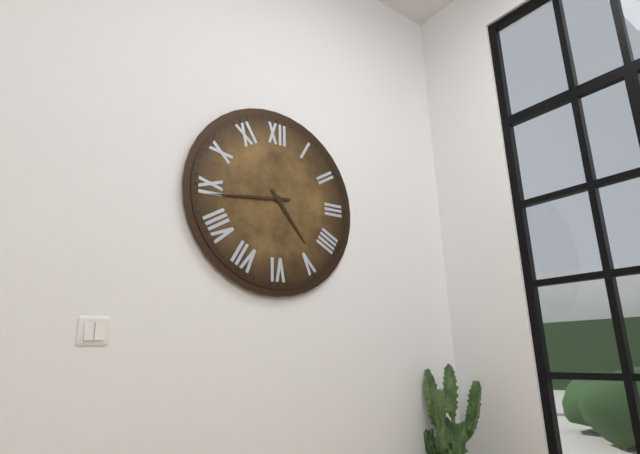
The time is 4:44
